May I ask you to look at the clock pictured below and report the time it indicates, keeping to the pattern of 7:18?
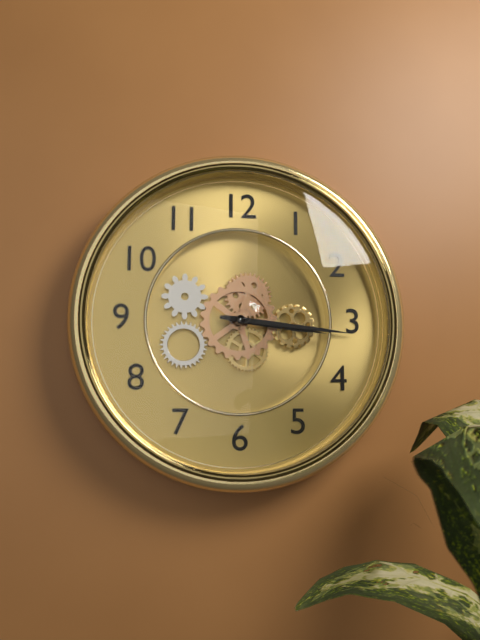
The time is 3:16
